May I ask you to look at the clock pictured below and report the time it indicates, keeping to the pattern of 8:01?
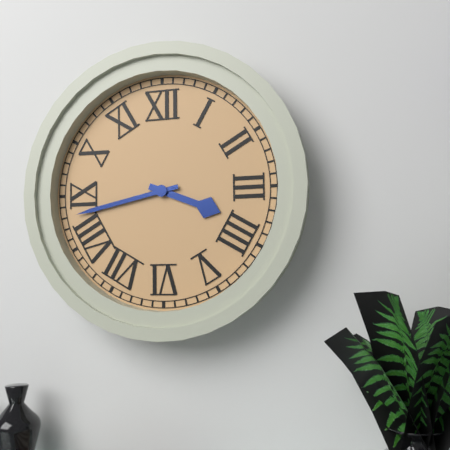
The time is 3:43
